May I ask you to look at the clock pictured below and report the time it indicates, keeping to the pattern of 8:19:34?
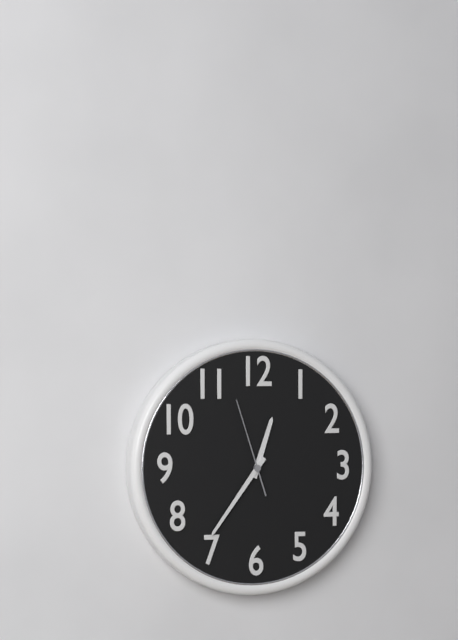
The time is 12:36:57
